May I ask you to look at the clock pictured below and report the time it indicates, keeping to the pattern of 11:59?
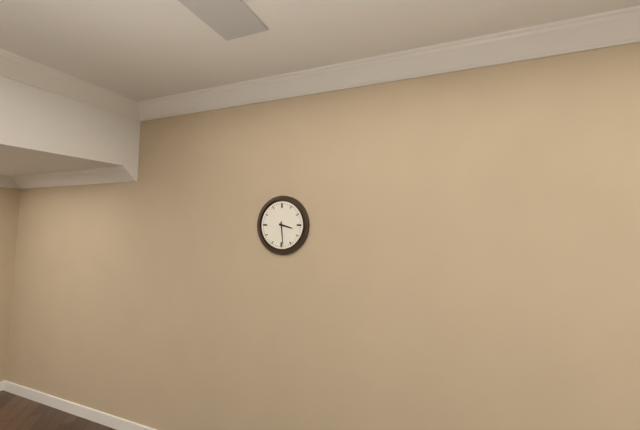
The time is 3:29
